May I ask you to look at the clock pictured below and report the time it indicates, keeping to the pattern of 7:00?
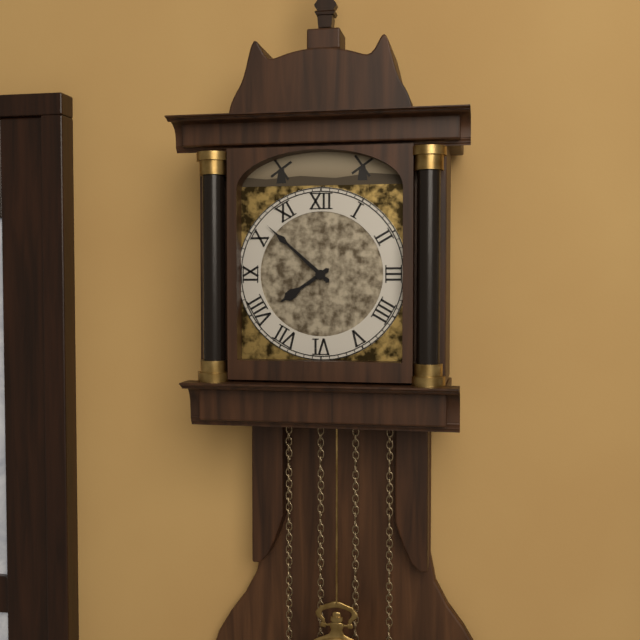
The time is 7:52
